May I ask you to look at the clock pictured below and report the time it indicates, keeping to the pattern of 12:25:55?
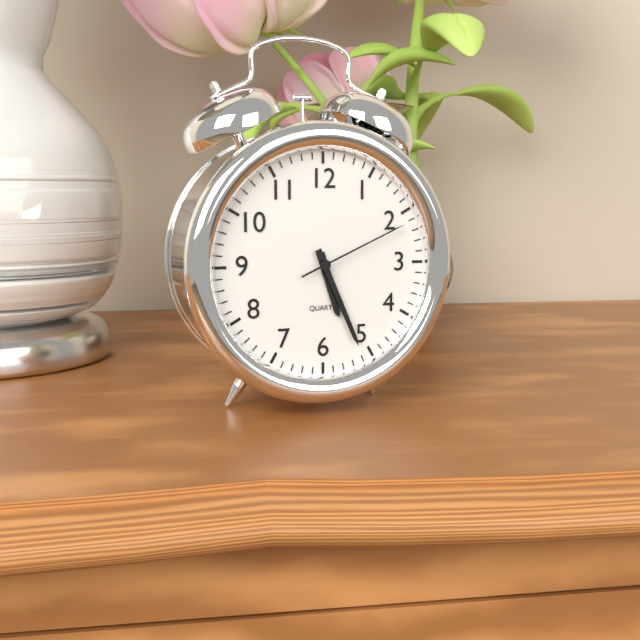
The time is 5:26:11
